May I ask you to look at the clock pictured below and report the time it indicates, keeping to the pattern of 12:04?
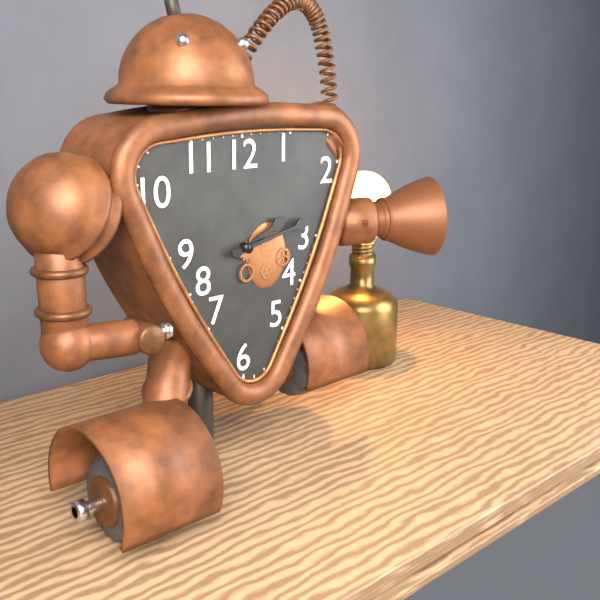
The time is 2:13
